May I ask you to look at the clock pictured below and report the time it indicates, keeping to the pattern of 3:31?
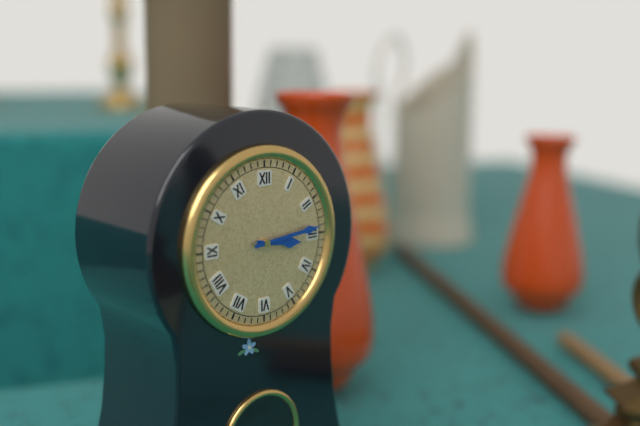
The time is 3:14
